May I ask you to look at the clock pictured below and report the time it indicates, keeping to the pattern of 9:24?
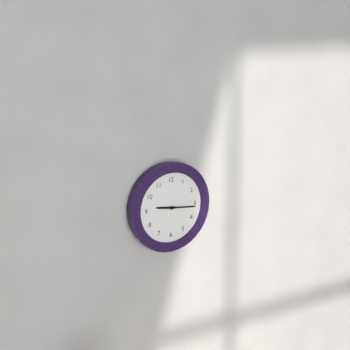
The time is 9:16
